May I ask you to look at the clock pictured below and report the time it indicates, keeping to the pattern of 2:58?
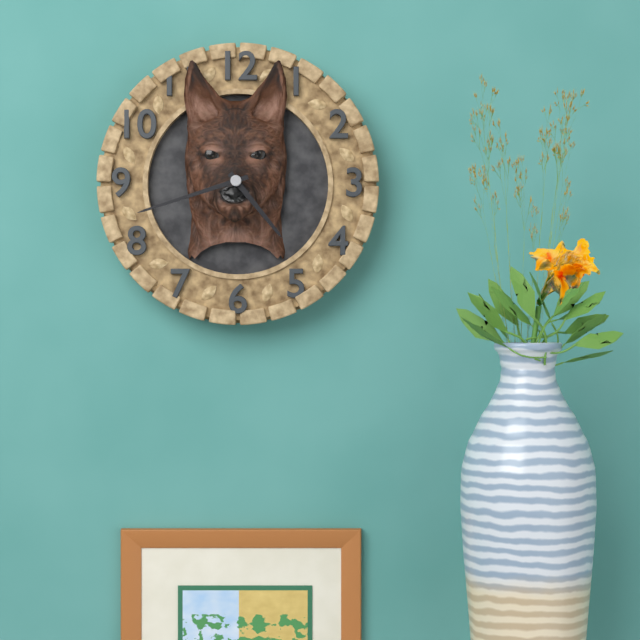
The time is 4:42
